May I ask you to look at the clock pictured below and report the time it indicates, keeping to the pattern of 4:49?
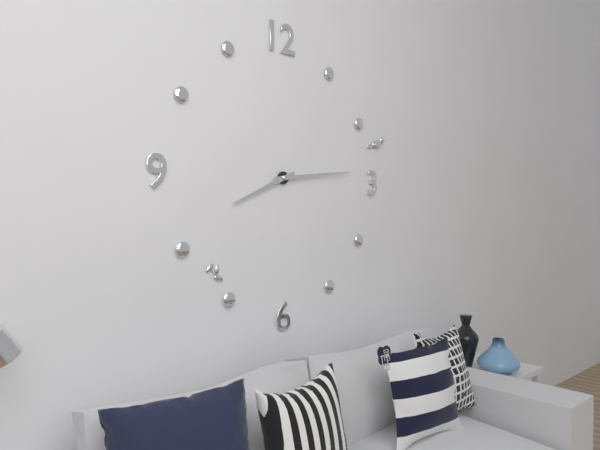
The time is 8:14
